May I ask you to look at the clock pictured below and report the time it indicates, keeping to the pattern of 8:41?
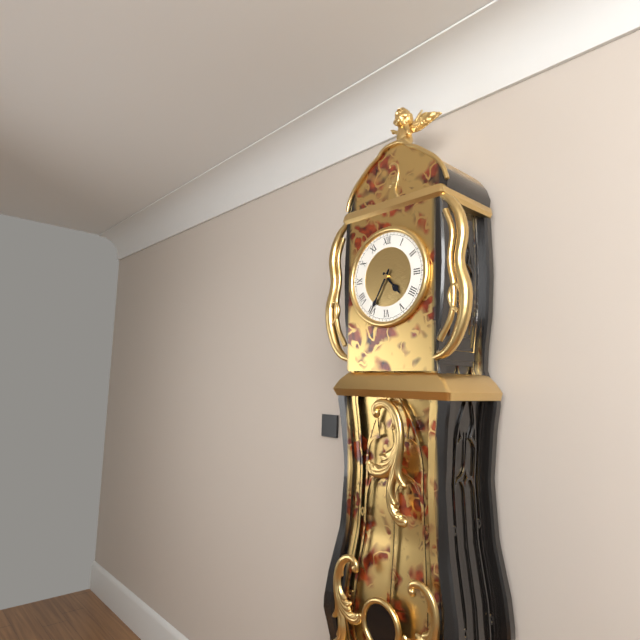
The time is 4:35
